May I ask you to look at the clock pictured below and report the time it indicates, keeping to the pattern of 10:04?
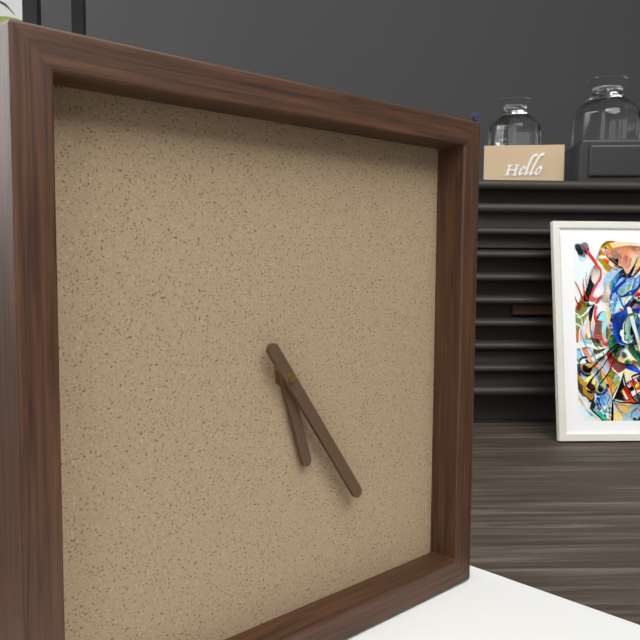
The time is 5:24
